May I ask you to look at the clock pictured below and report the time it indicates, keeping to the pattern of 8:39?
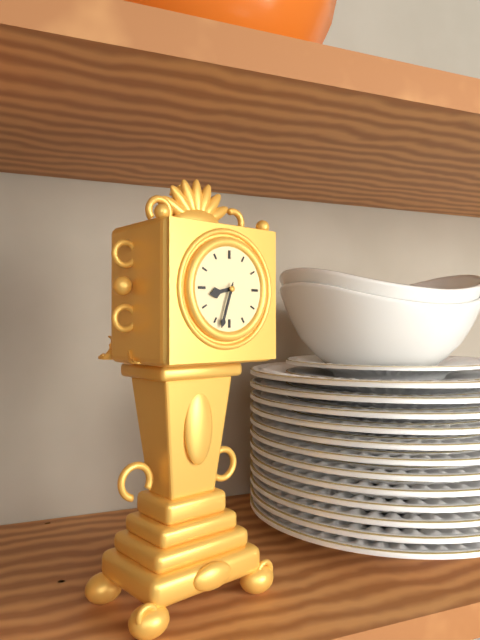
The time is 8:33
